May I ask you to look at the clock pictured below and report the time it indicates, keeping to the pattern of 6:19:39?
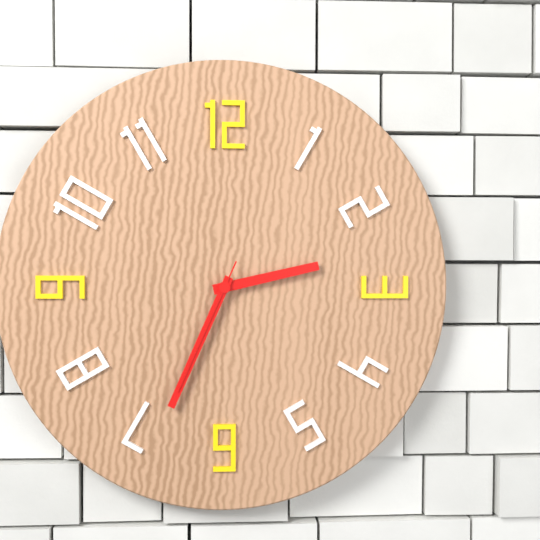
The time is 2:34:34
